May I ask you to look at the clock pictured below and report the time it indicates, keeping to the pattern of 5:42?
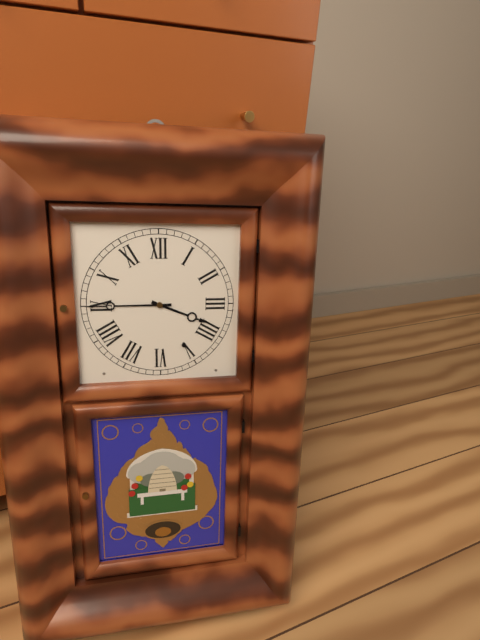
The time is 3:45
